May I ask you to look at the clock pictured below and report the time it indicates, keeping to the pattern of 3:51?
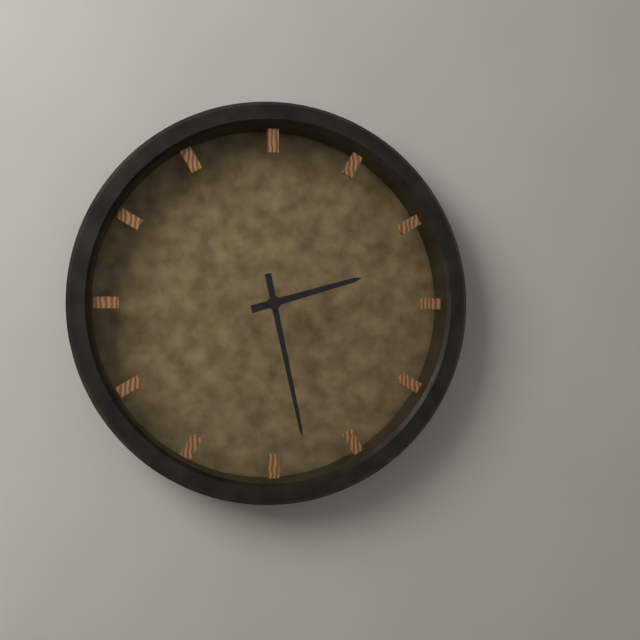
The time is 2:28
